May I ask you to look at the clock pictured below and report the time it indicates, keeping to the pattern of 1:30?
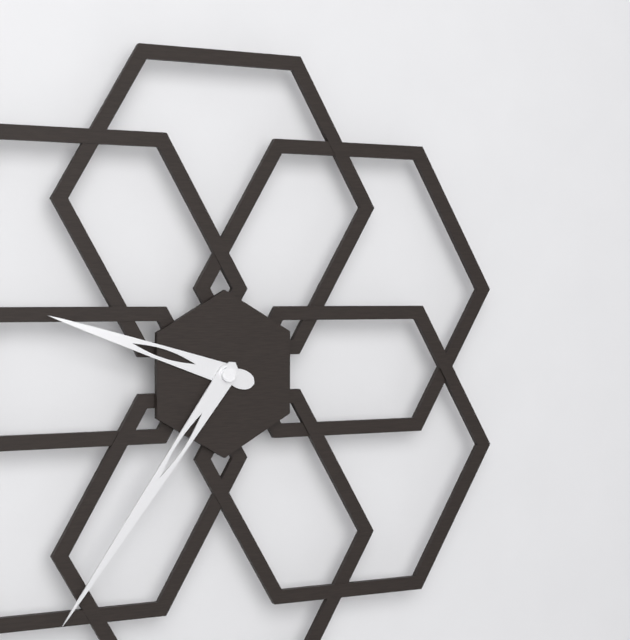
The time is 9:36
